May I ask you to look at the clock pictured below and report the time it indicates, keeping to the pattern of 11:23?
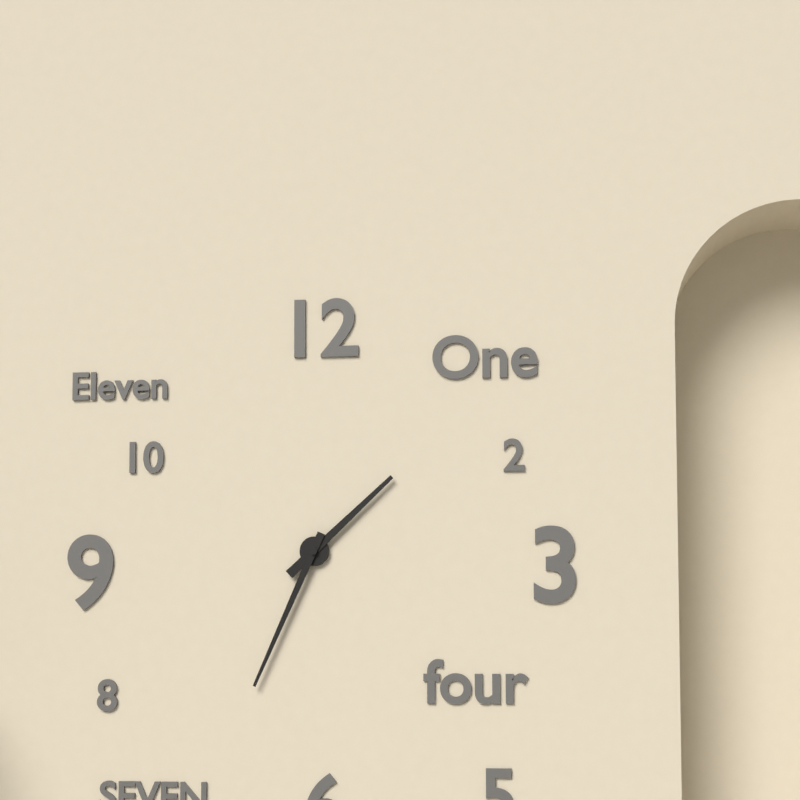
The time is 1:34
